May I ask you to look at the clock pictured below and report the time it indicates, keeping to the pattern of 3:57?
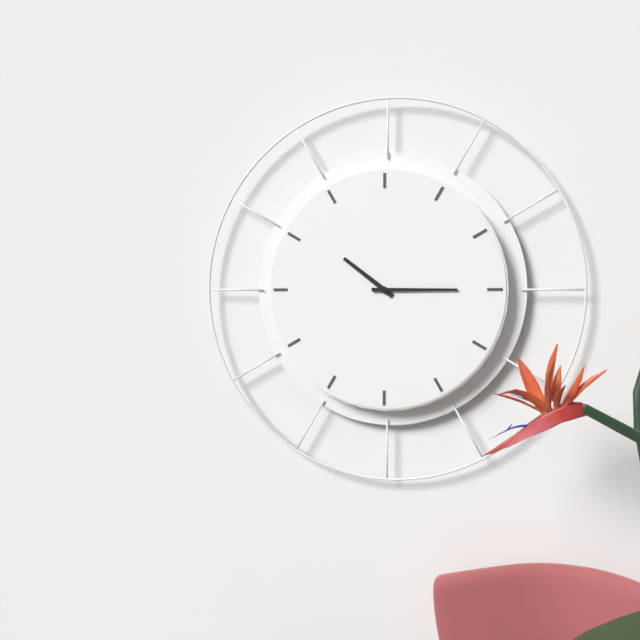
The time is 10:15
